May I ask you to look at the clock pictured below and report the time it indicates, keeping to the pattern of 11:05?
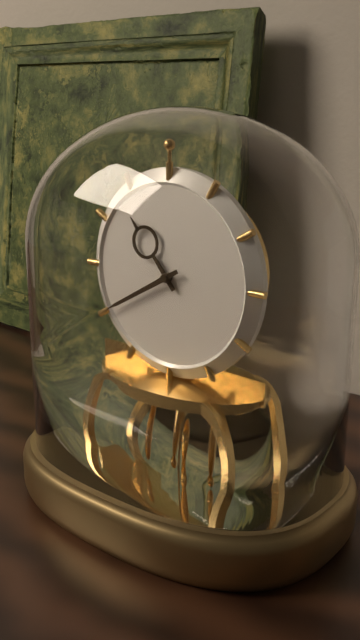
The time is 10:40
